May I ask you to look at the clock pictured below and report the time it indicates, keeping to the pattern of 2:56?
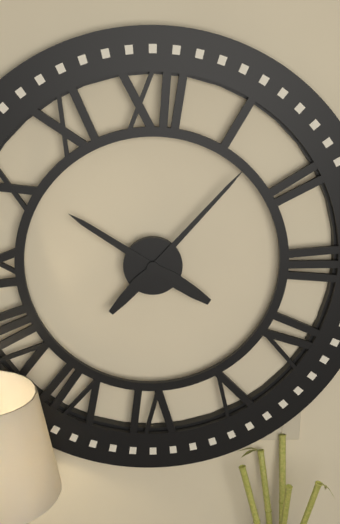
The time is 10:07
